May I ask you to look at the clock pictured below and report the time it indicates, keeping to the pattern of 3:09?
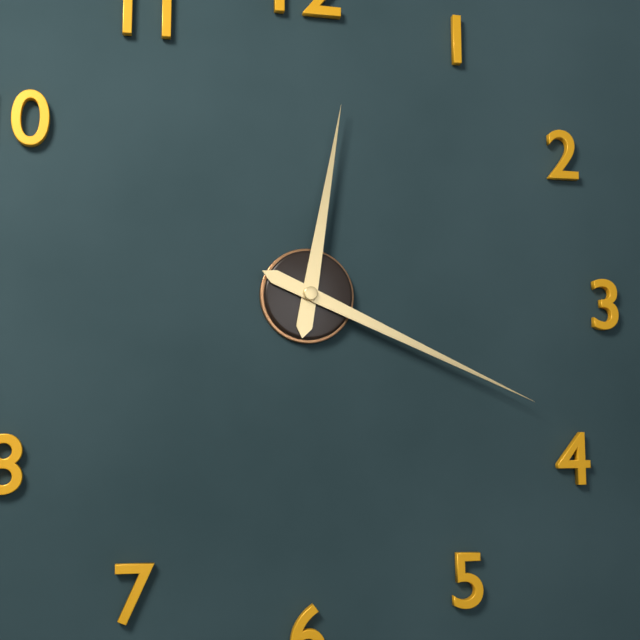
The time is 12:19
